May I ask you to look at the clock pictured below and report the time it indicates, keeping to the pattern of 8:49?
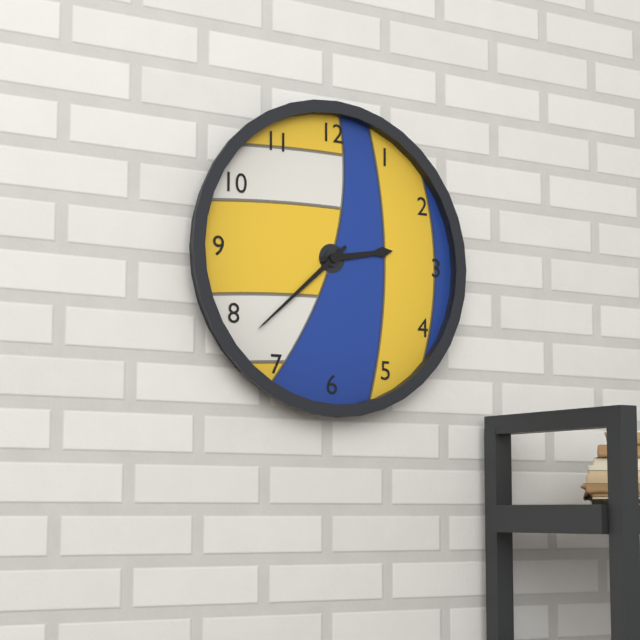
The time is 2:38
